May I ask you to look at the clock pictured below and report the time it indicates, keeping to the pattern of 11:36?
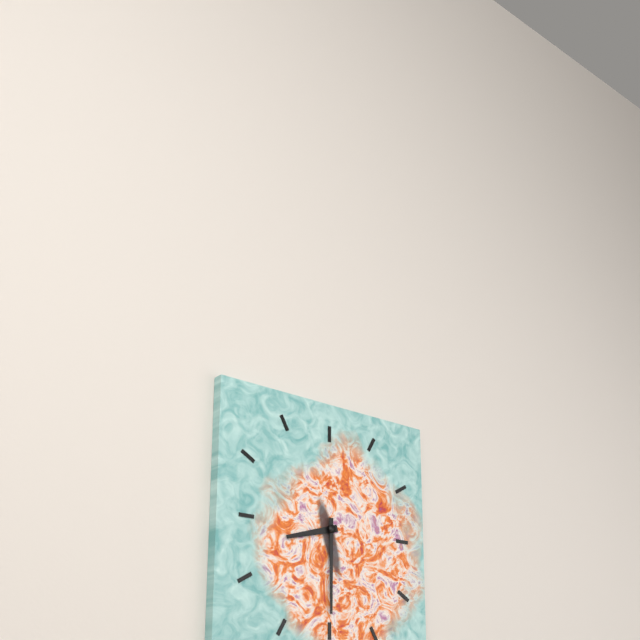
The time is 8:30
